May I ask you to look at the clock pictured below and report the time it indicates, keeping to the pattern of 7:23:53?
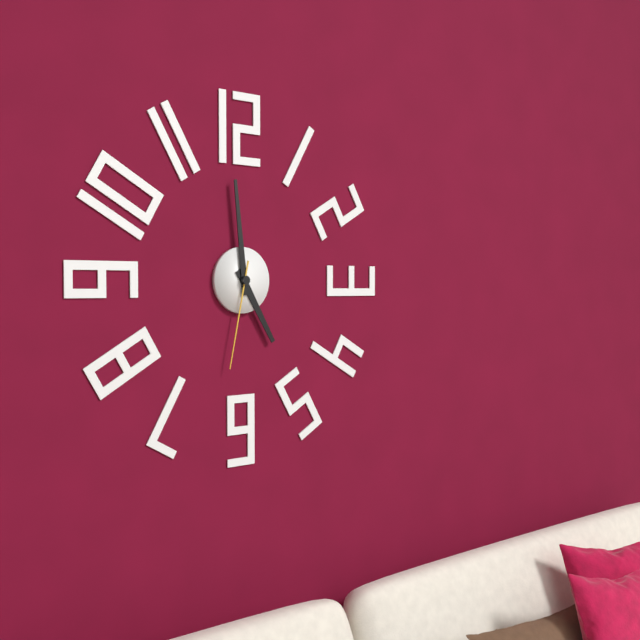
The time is 4:59:32
